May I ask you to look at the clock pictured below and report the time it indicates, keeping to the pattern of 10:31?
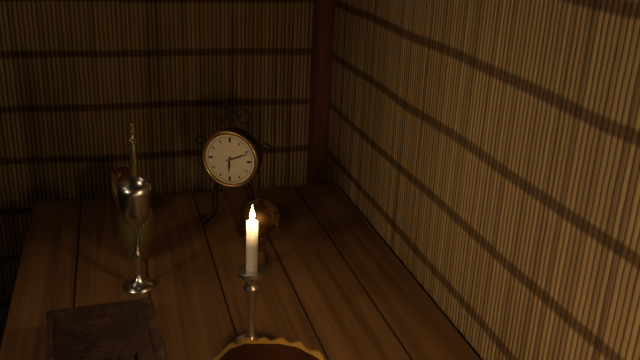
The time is 6:11
